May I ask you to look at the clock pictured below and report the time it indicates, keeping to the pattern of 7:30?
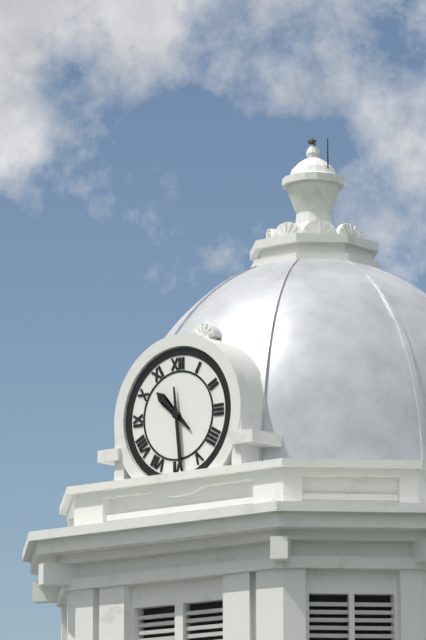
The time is 10:29
